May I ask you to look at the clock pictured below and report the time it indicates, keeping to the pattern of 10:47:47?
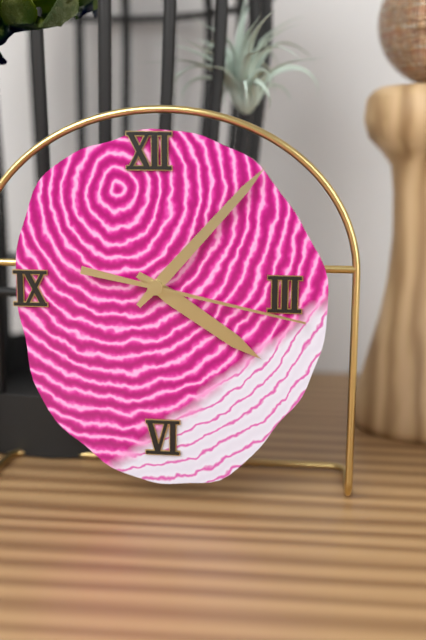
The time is 4:07:17
